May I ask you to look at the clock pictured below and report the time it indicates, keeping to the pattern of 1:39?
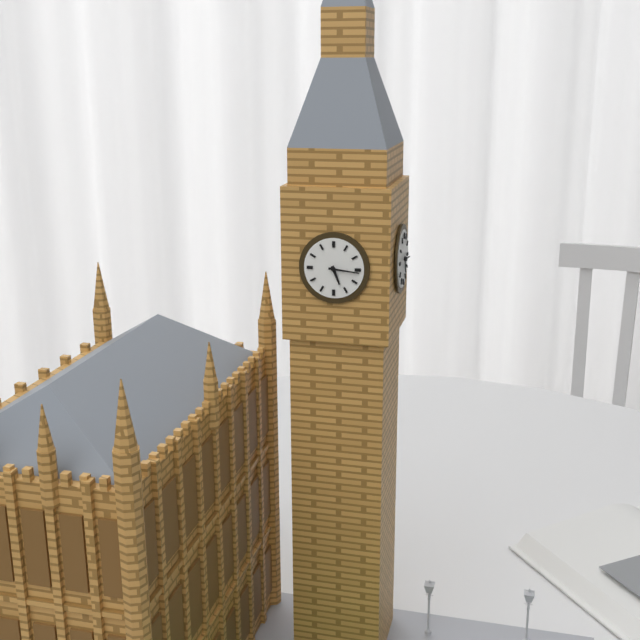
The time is 5:16
